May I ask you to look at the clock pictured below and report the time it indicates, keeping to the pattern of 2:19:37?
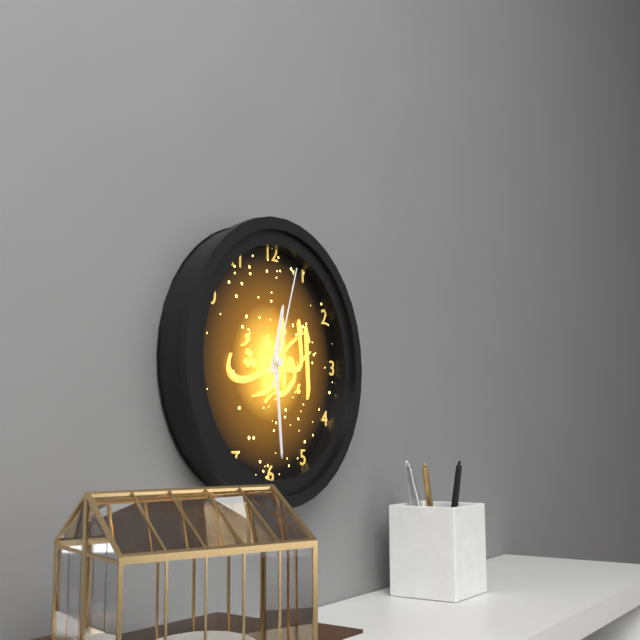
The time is 12:29:03
